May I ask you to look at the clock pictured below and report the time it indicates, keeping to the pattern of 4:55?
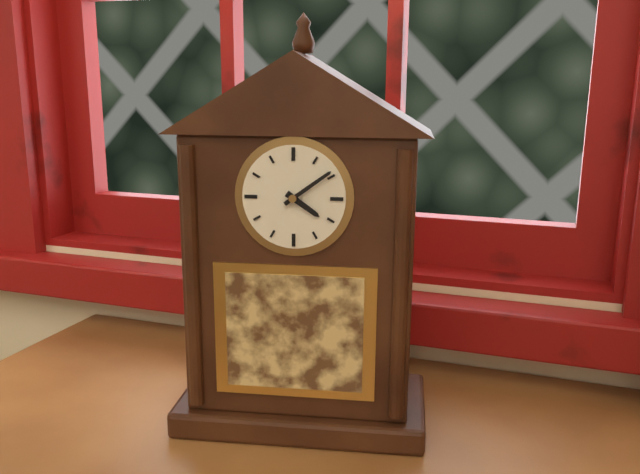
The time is 4:09
